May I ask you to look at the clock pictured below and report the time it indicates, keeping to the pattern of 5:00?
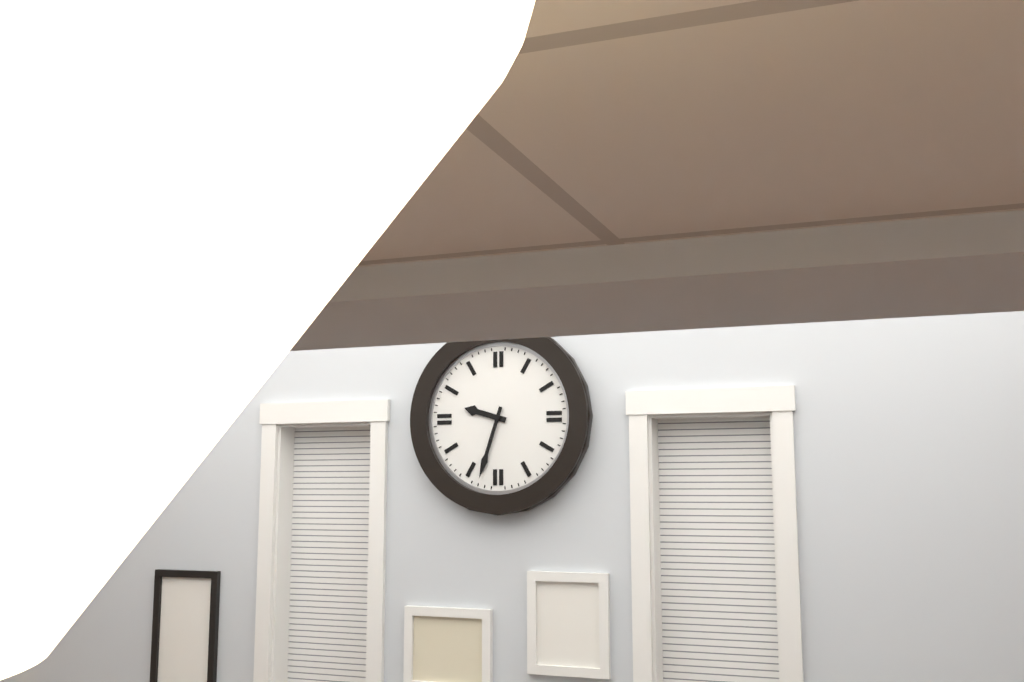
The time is 9:33
